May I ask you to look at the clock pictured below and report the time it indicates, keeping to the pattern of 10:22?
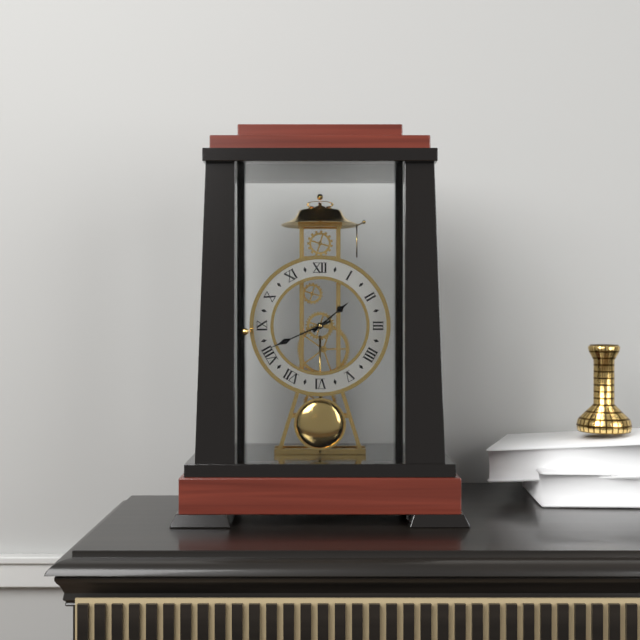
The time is 1:41
